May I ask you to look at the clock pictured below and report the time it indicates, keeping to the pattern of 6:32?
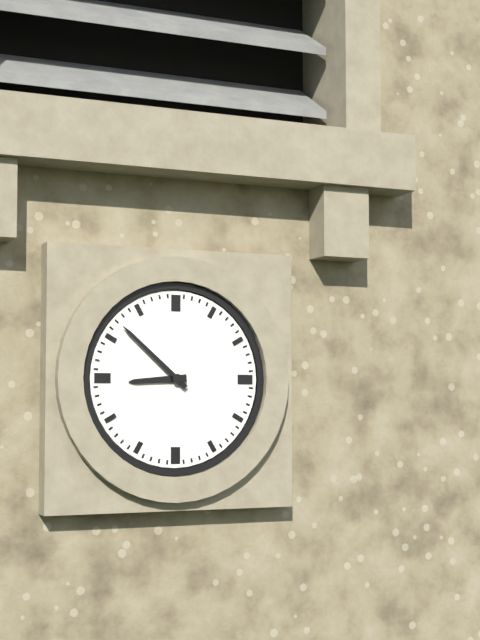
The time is 8:52
